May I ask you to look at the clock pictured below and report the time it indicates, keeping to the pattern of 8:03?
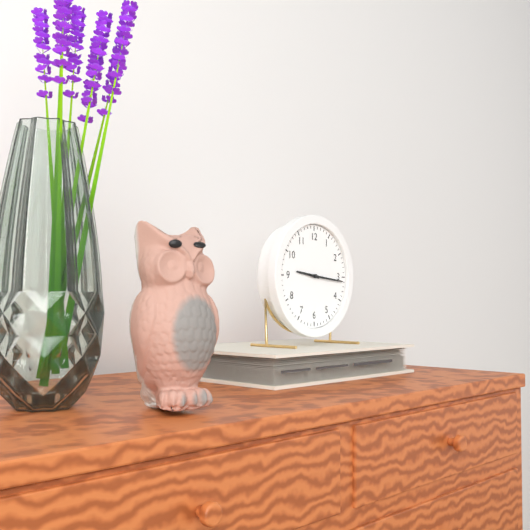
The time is 9:16
